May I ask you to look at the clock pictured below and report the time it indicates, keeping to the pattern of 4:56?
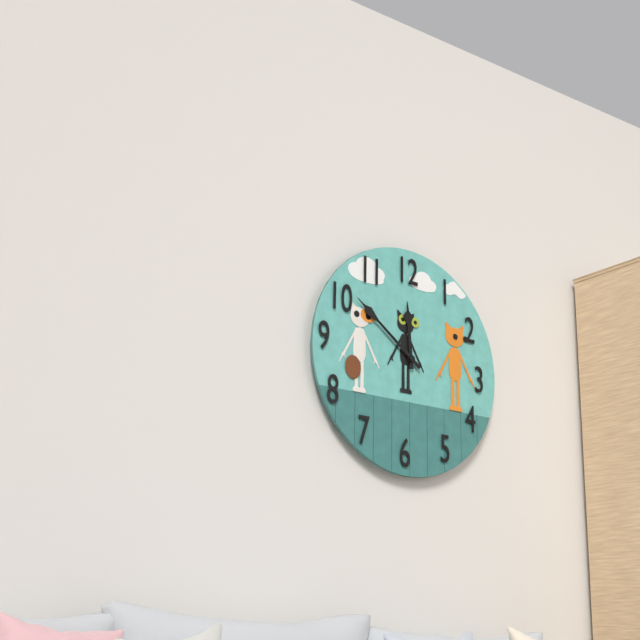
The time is 11:51
